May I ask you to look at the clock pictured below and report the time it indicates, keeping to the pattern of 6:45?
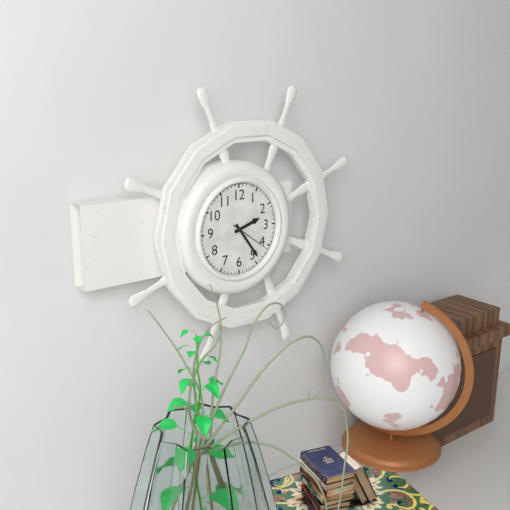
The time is 2:24
